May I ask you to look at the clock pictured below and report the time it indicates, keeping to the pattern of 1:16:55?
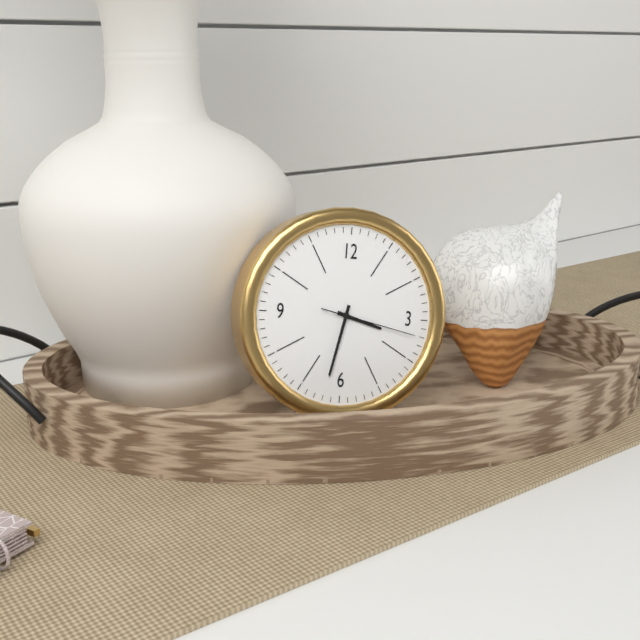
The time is 3:32:17
